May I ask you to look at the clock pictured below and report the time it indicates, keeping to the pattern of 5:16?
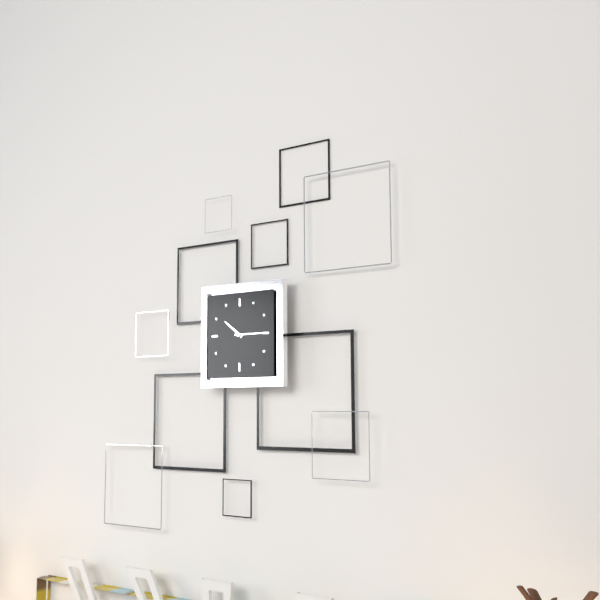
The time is 10:15
